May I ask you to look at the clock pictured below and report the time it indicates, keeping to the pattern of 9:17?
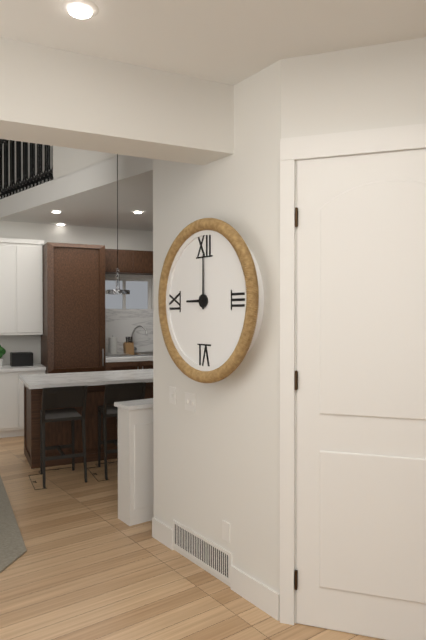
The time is 9:00
